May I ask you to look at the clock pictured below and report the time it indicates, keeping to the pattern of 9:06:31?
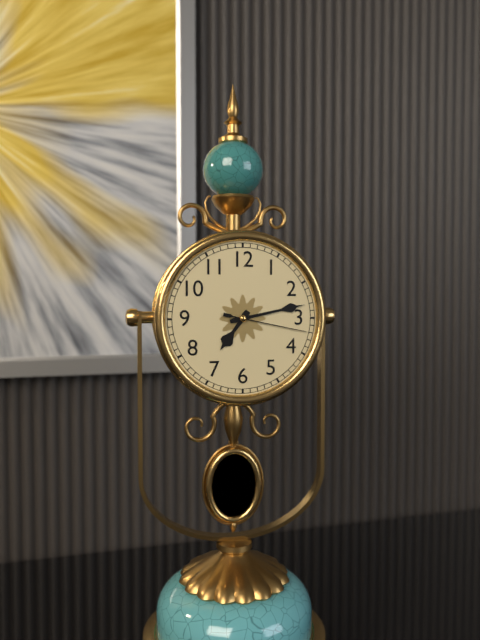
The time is 7:13:17
